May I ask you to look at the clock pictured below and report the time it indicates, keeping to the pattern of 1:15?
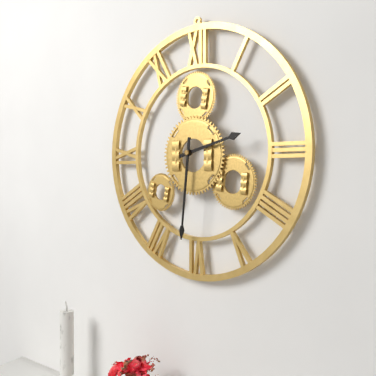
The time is 2:31
